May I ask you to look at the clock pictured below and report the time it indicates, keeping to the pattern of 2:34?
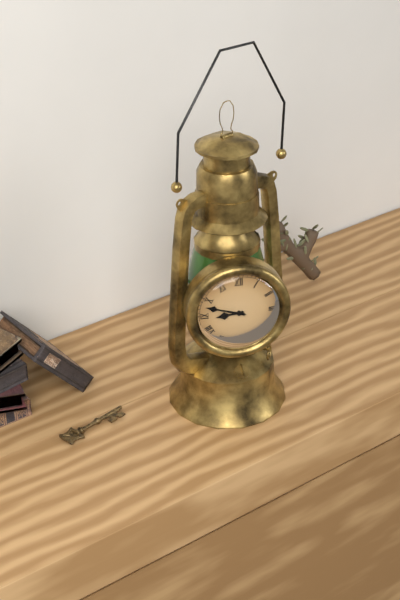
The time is 8:48
